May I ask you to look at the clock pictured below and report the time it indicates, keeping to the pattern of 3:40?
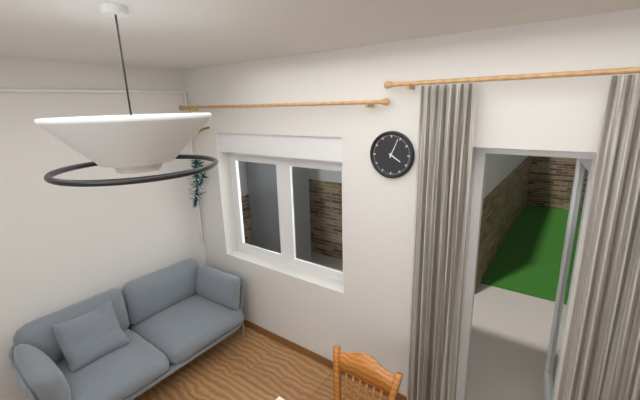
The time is 4:04
